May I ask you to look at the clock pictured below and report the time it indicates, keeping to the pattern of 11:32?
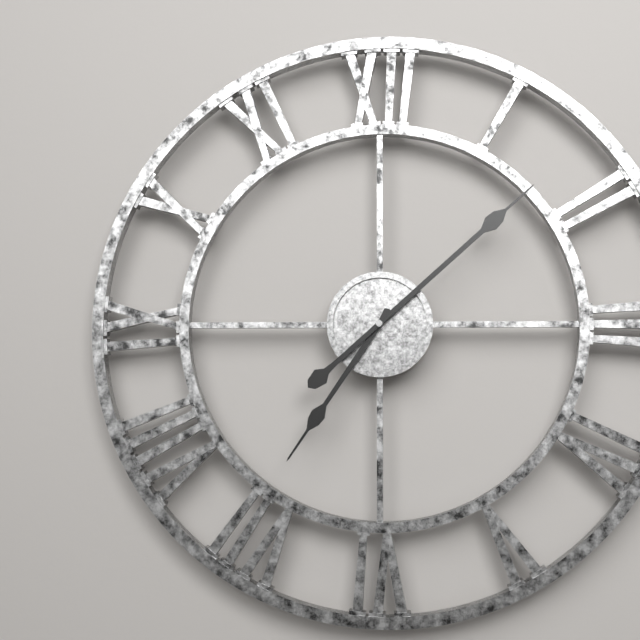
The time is 7:08
